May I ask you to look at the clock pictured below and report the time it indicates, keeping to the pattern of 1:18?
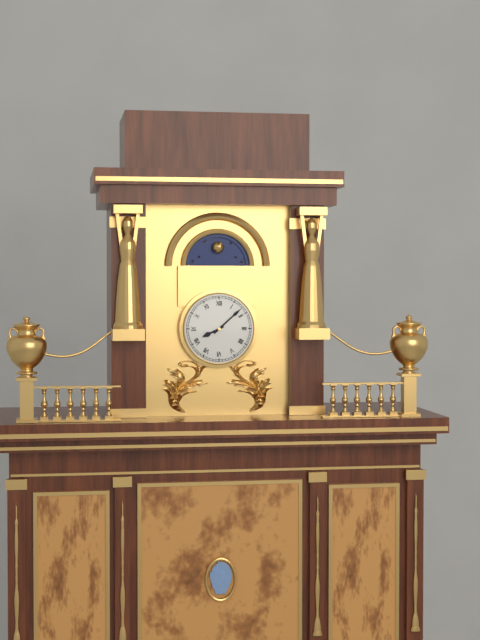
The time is 8:08
